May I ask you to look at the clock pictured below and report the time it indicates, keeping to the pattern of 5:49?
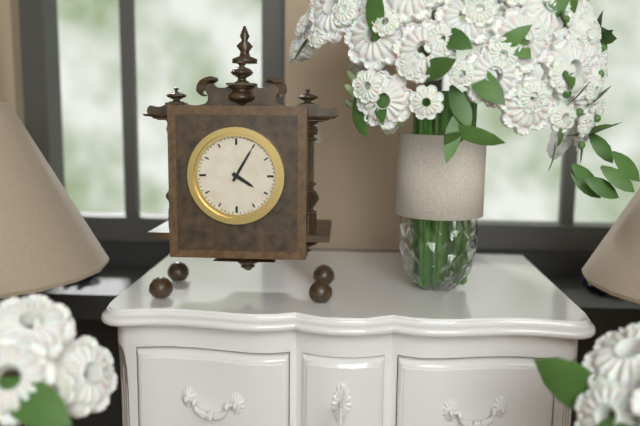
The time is 4:05
